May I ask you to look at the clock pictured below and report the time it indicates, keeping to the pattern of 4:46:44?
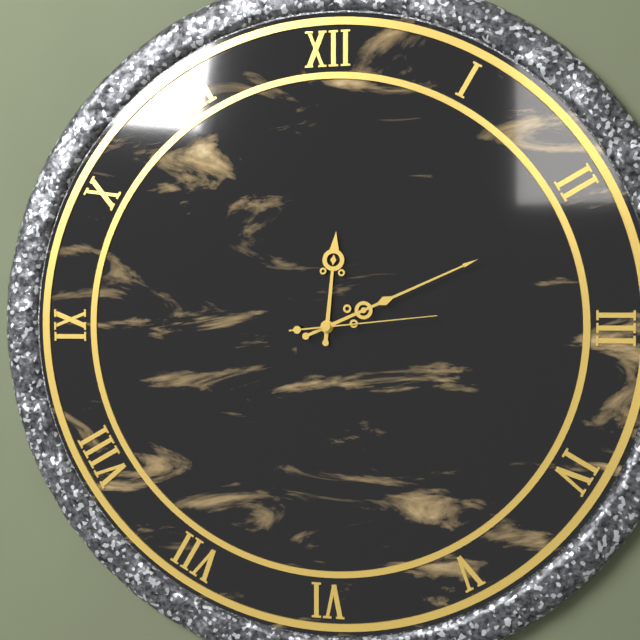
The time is 12:11:14
